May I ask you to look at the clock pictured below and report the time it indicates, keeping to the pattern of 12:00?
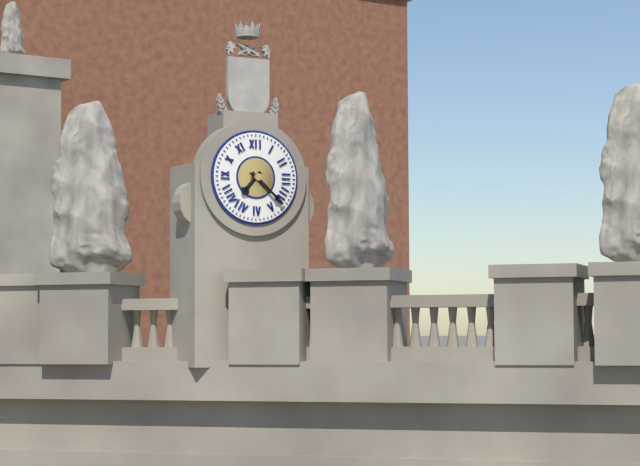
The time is 7:22
